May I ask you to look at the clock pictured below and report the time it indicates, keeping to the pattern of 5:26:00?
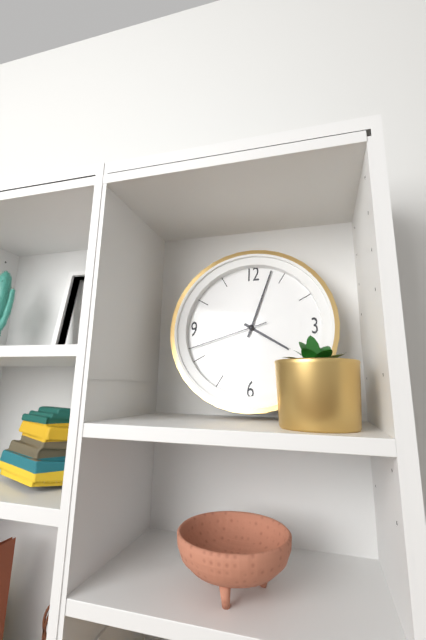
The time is 4:03:42
